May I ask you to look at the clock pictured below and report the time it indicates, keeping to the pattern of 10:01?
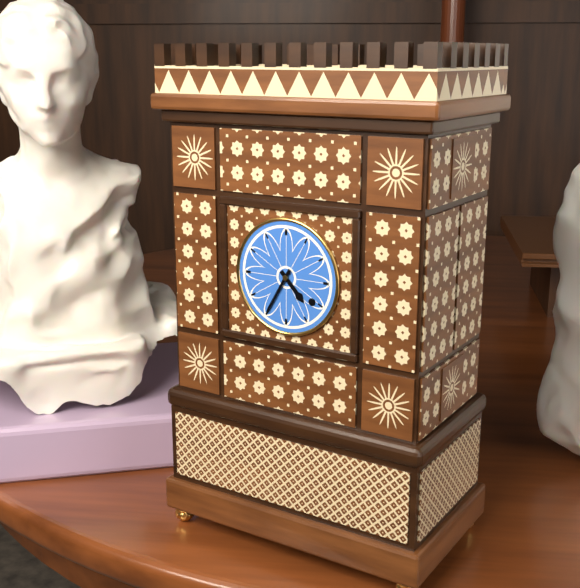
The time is 4:35
